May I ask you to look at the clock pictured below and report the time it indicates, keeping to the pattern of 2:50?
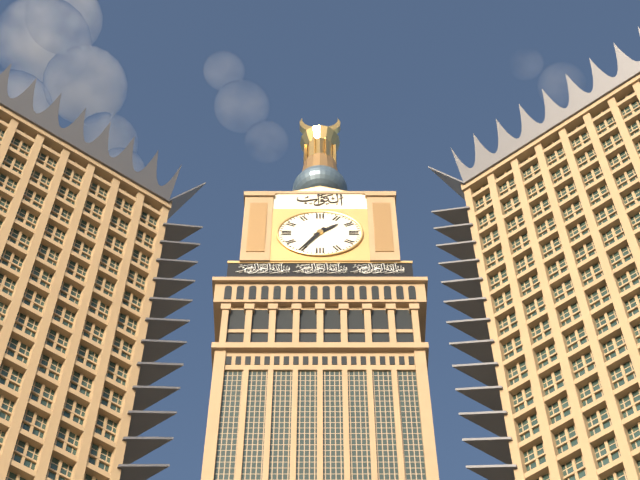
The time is 1:35
